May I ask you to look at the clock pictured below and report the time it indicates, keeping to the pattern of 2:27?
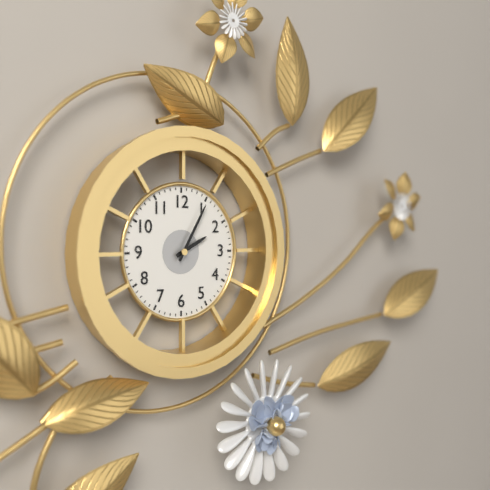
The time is 2:05
